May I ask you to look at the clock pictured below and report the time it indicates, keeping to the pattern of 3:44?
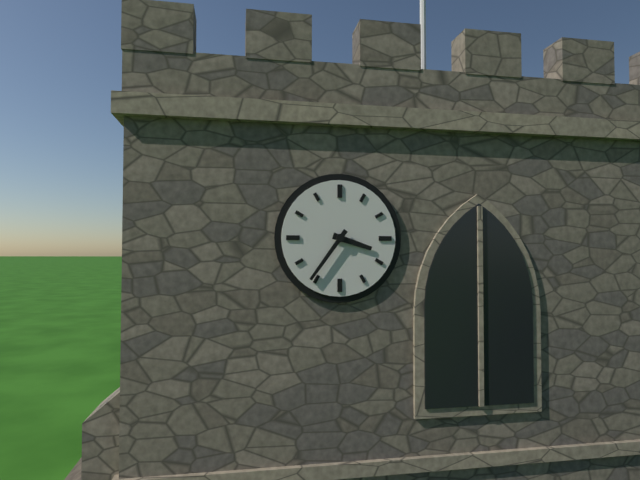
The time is 3:36
